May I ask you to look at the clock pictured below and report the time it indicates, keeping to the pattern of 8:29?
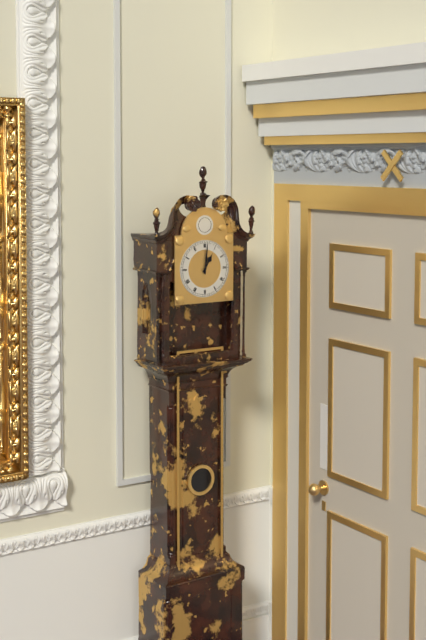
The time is 1:01
